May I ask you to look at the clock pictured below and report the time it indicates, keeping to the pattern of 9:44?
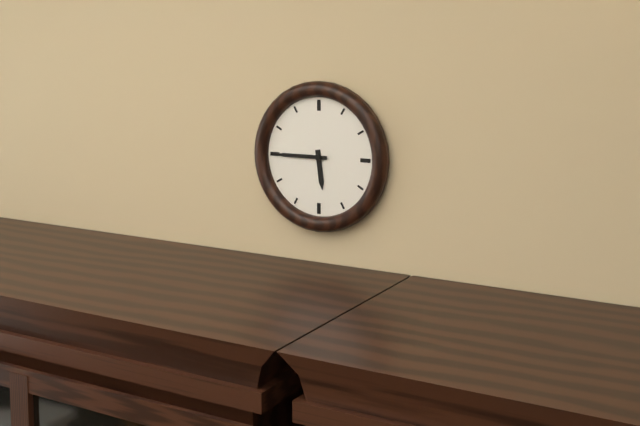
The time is 5:45
